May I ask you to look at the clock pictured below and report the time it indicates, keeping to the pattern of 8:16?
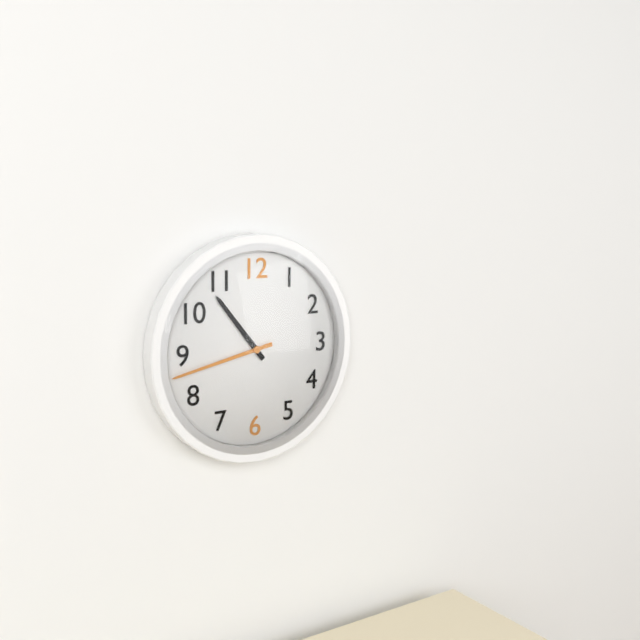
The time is 10:43
